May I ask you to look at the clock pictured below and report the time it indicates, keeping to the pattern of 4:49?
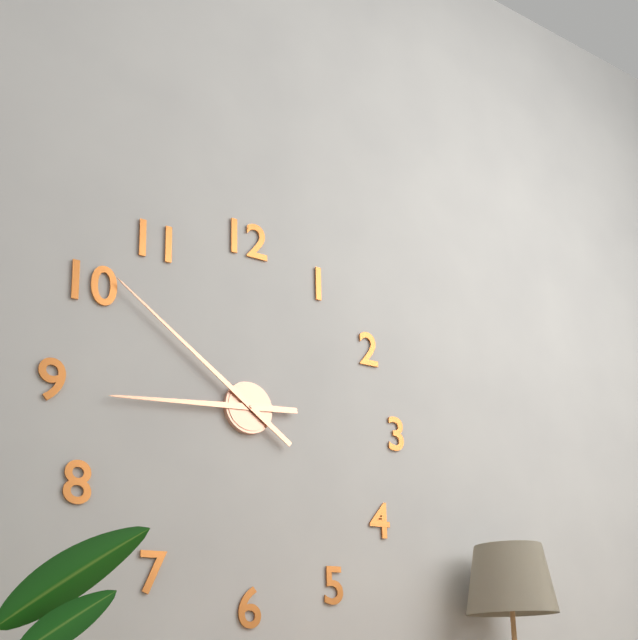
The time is 8:51
